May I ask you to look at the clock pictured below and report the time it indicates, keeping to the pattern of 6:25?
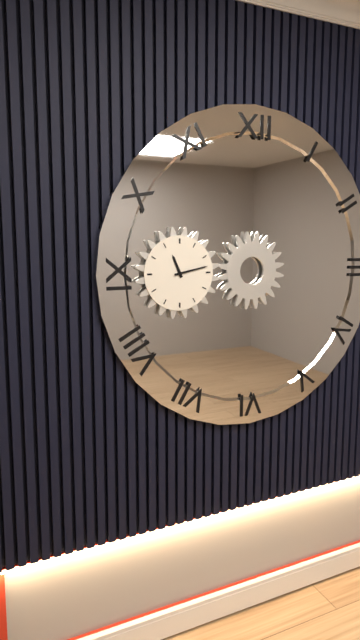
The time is 11:13
